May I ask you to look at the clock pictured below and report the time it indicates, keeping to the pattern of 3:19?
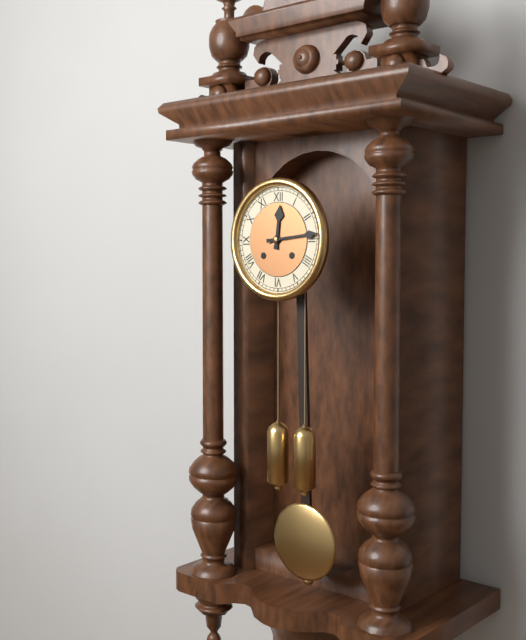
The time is 12:14
